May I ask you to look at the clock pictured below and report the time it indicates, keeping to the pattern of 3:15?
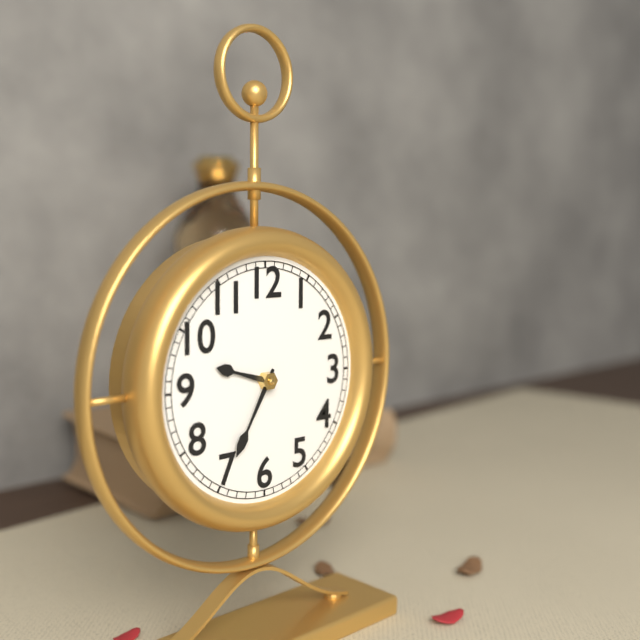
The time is 9:35
